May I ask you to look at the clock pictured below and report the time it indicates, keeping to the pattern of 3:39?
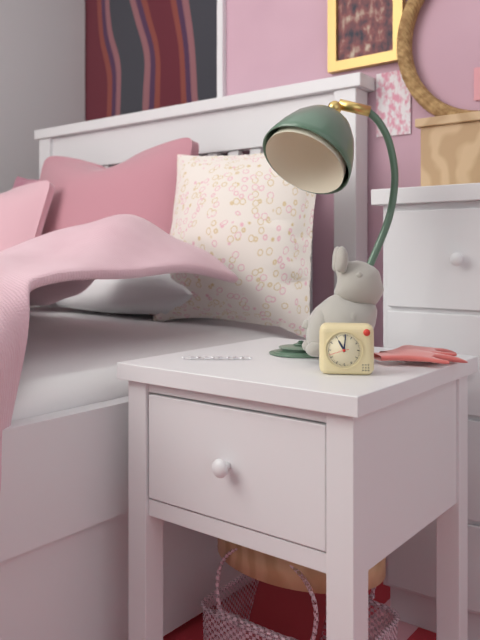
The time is 11:01
